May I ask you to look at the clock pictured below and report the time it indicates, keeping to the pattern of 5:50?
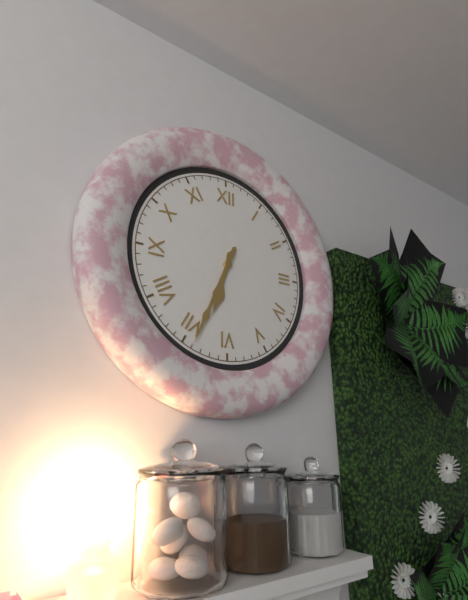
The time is 6:34
